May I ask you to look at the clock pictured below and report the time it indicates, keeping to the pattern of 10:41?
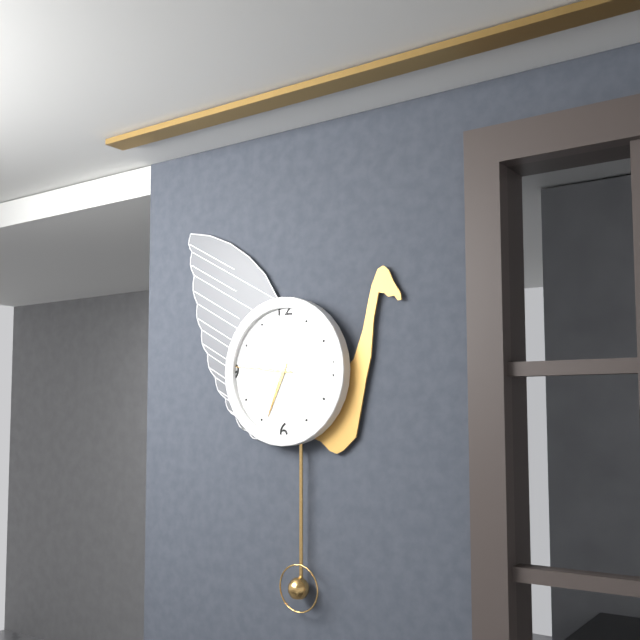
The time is 6:46
